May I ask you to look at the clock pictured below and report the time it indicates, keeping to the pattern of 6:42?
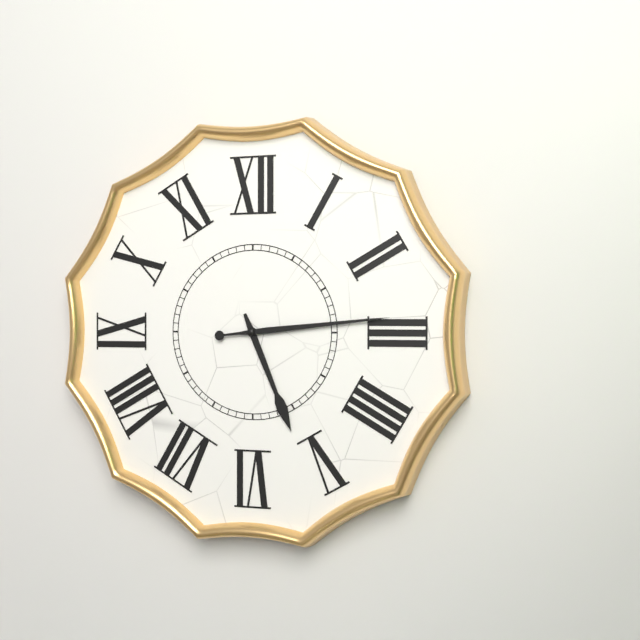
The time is 5:14
